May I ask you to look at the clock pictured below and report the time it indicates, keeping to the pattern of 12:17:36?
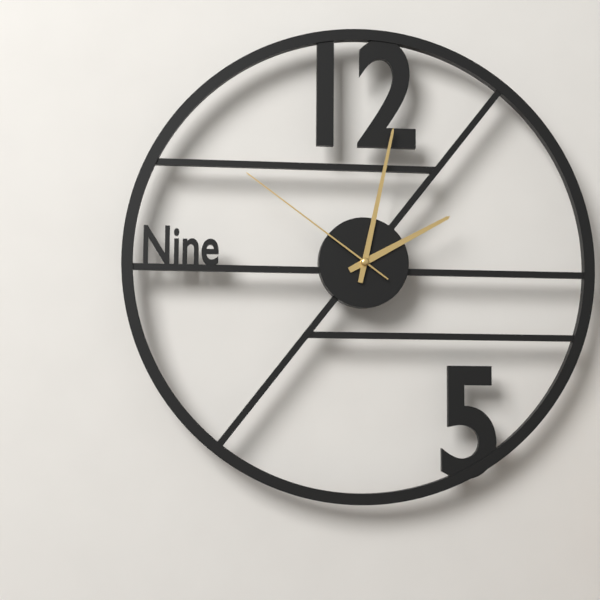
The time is 2:02:51
